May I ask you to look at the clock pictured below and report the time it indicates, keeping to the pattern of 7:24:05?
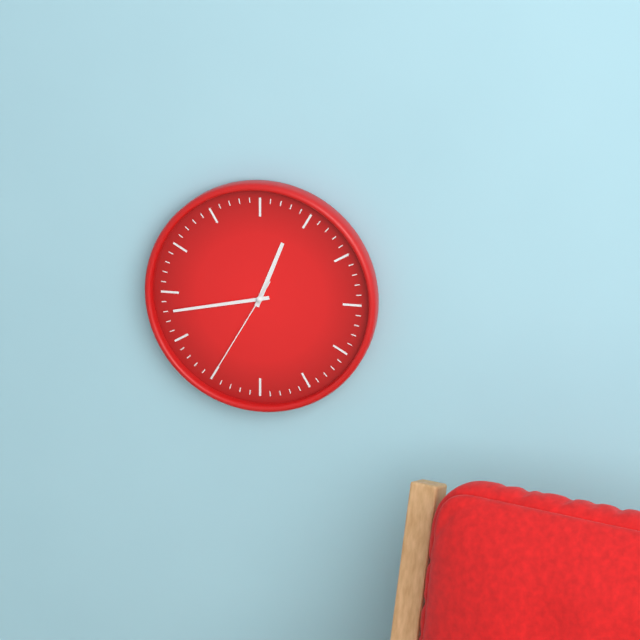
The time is 12:43:35
